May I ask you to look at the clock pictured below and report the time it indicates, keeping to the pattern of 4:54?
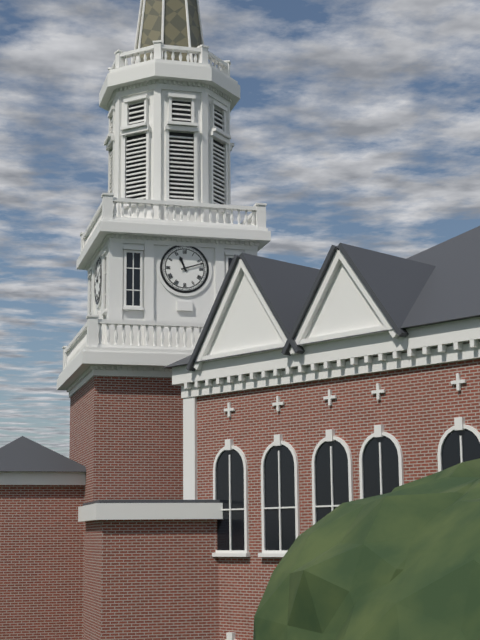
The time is 11:12
